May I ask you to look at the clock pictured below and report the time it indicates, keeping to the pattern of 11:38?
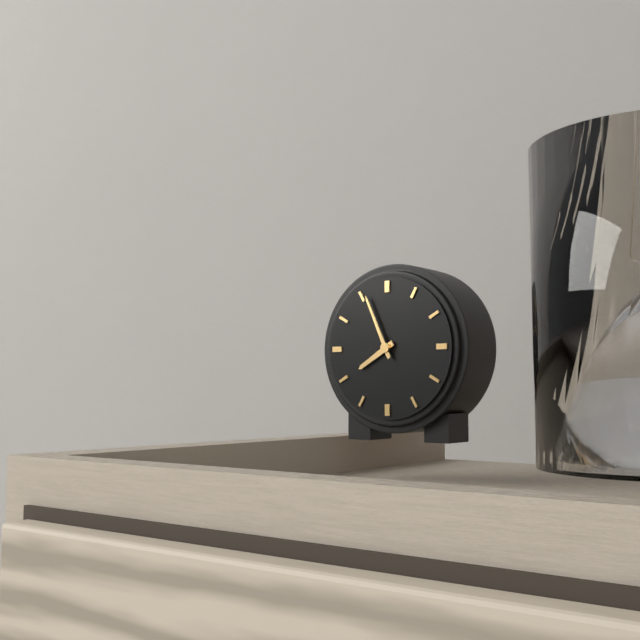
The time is 7:56
